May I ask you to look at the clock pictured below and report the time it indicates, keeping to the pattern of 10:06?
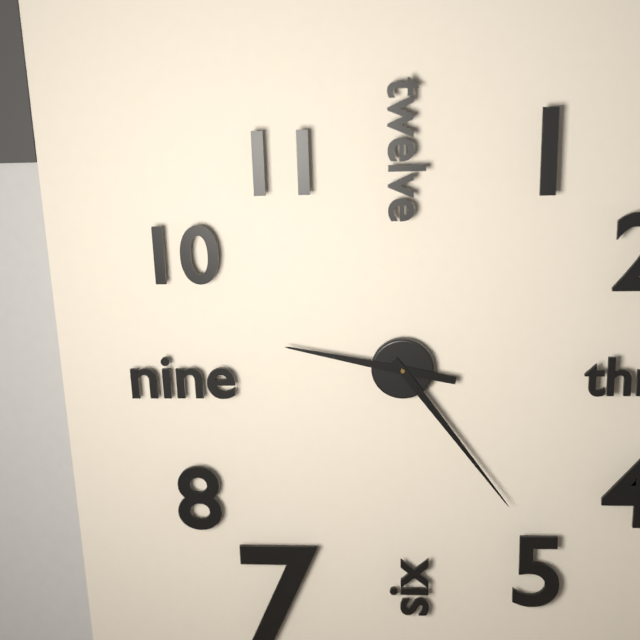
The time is 9:24
